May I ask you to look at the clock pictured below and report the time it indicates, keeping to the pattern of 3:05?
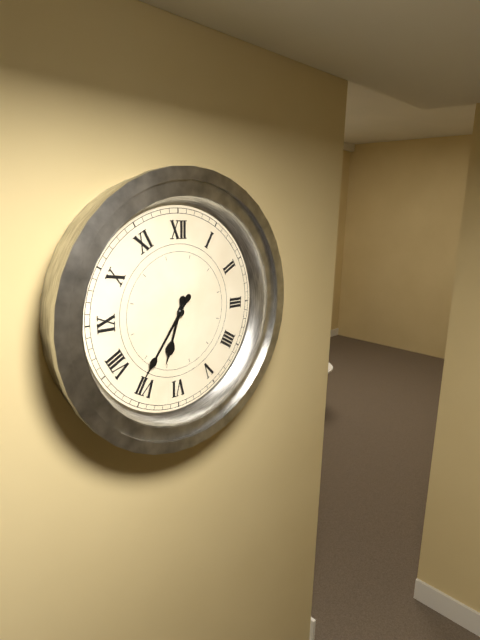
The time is 6:36
